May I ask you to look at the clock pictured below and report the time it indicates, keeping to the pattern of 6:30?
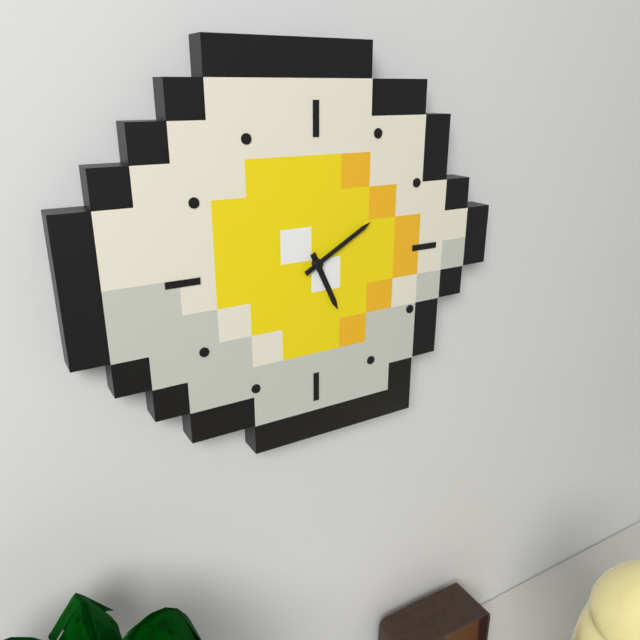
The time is 5:10
